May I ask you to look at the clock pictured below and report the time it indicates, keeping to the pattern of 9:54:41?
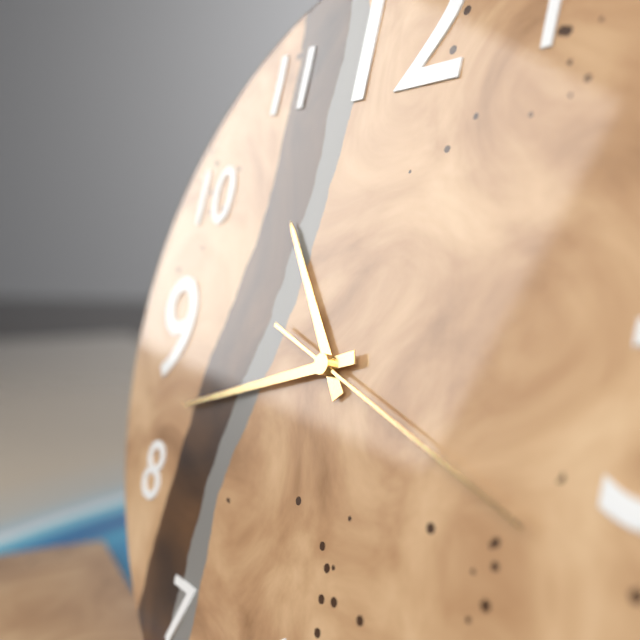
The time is 10:42:18
